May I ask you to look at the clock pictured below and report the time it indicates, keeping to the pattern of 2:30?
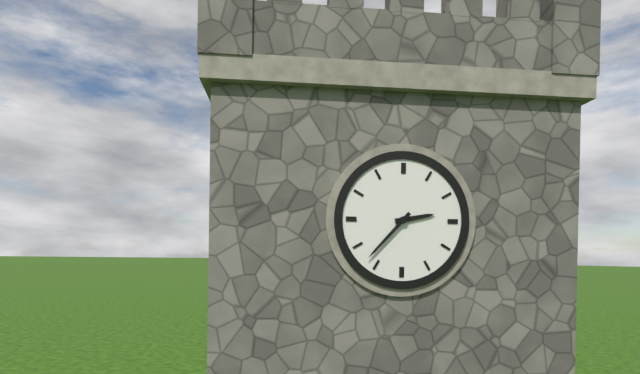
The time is 2:37
